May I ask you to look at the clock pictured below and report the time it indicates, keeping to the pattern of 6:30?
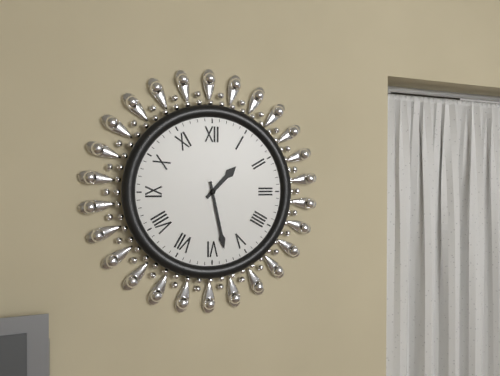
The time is 1:28
